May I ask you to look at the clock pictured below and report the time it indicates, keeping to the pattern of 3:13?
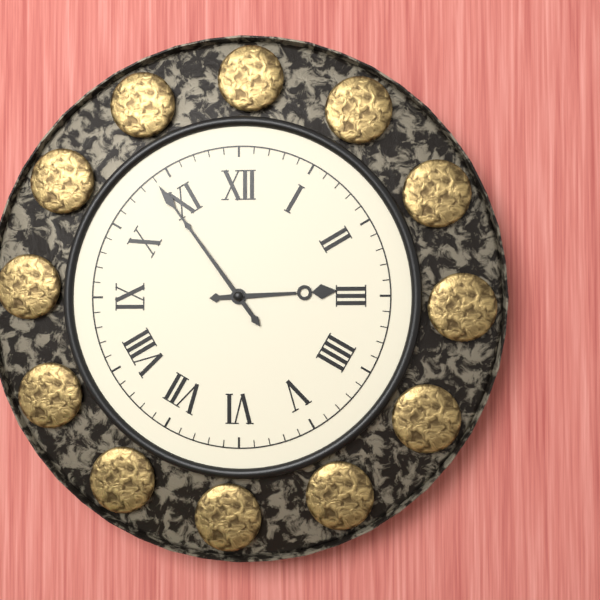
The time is 2:54
